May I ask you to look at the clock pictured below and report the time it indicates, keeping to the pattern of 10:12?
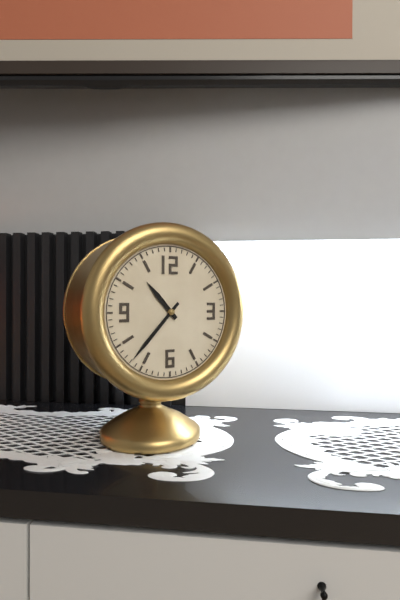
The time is 10:37
